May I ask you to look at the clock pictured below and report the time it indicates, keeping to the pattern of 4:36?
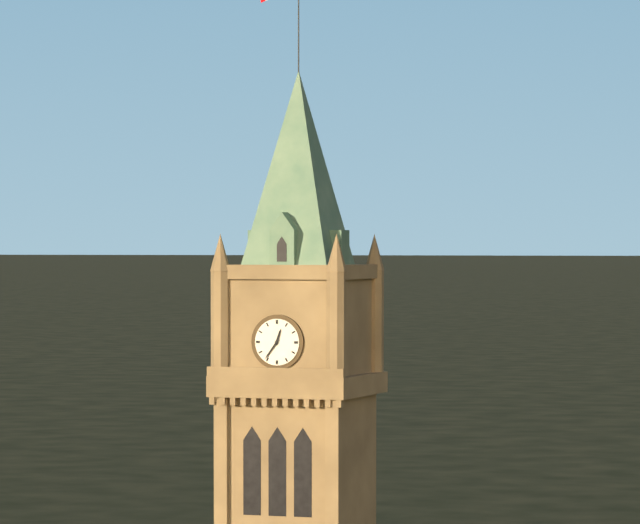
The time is 12:36
